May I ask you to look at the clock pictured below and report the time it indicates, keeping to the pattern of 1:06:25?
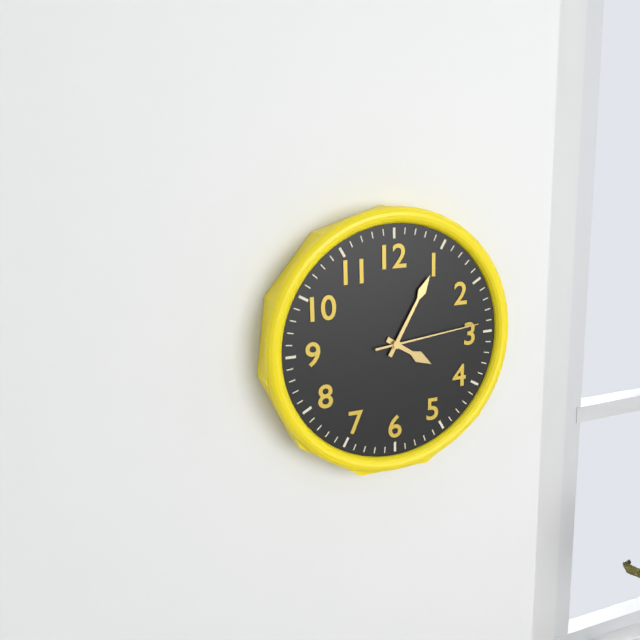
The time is 4:05:14
